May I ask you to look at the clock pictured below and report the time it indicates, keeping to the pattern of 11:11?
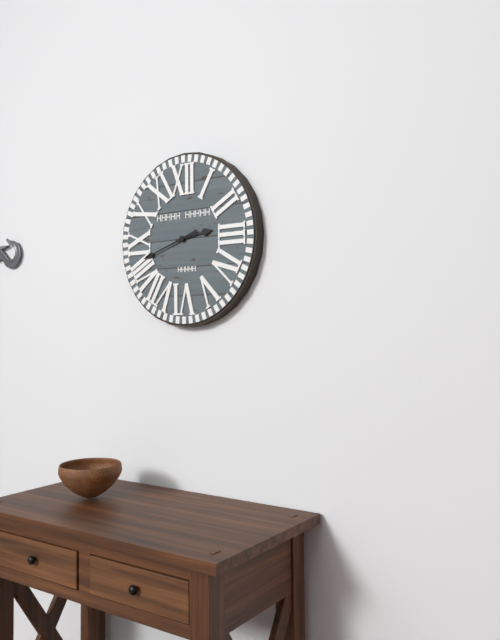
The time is 2:42
